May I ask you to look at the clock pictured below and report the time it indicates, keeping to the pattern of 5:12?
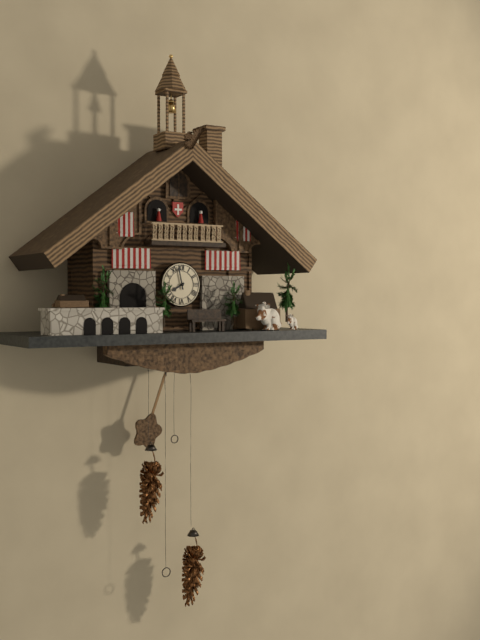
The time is 7:58
